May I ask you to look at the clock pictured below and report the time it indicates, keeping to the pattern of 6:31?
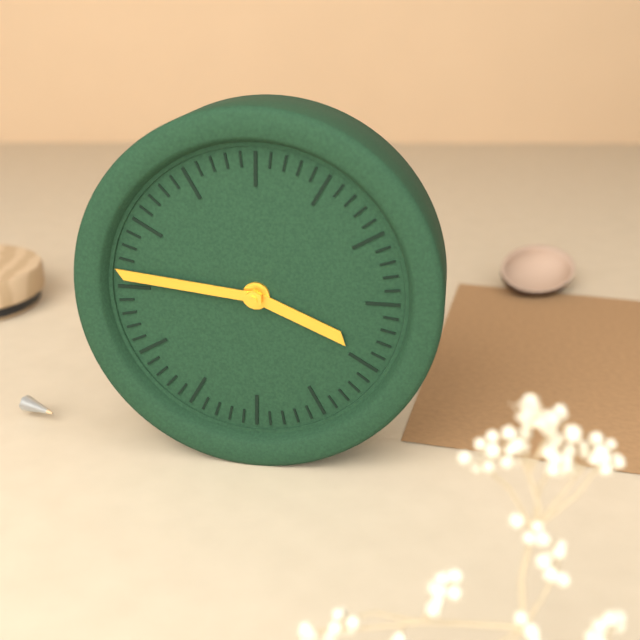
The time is 3:46
